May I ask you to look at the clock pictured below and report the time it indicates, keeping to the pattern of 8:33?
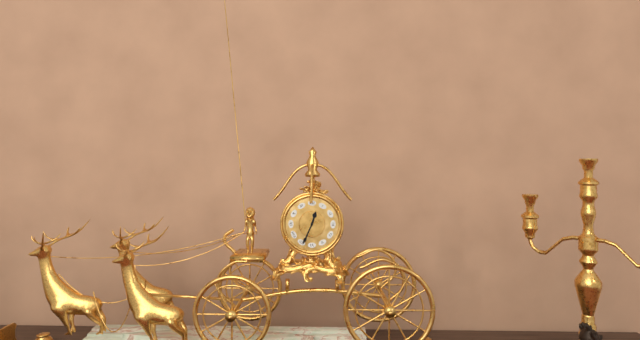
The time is 12:34
